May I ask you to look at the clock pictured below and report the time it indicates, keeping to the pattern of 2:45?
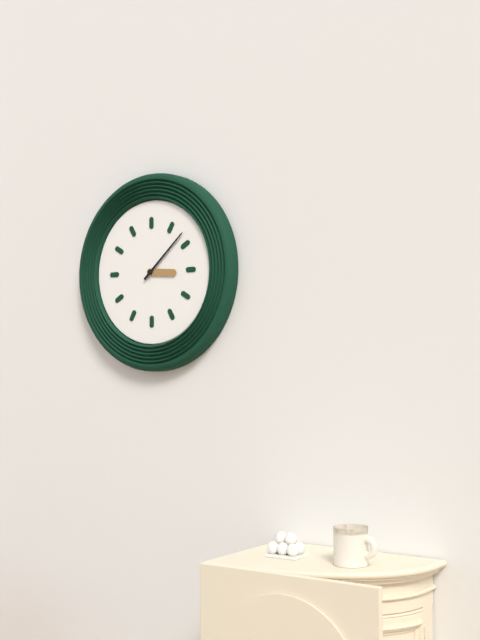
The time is 3:08
